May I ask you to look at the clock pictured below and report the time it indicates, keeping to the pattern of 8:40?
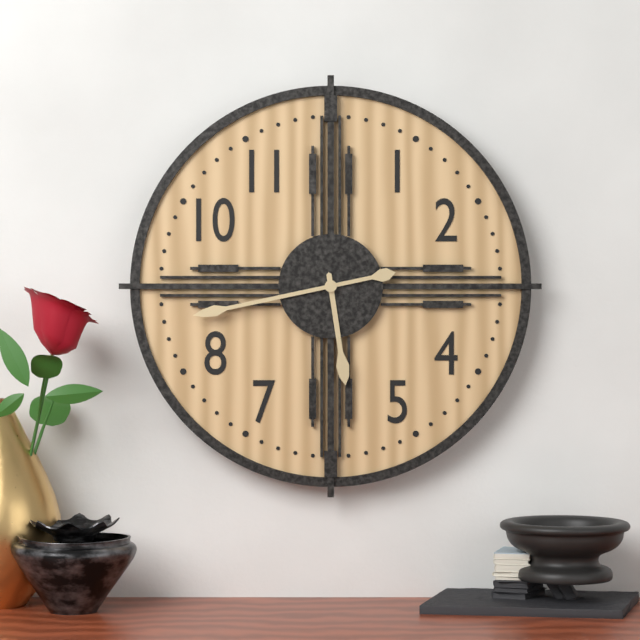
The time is 5:43
